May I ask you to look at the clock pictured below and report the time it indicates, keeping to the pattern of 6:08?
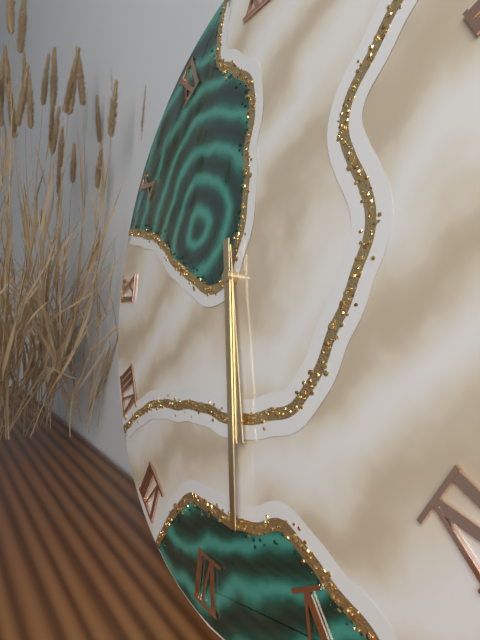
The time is 5:28
